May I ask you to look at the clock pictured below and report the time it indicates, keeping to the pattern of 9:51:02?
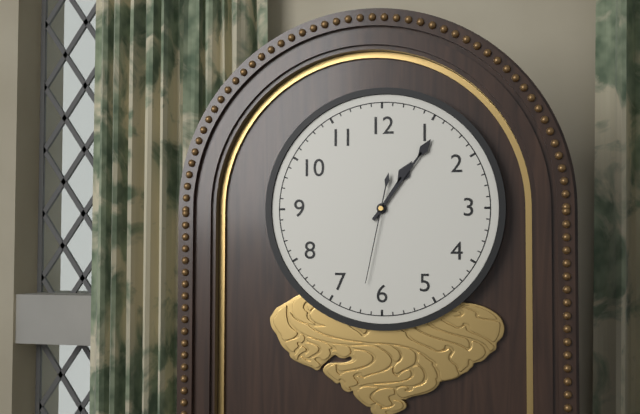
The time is 1:06:32
